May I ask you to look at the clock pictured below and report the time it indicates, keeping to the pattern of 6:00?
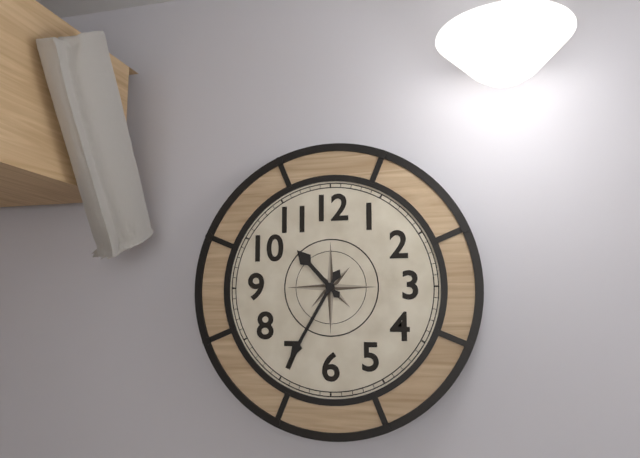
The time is 10:35
